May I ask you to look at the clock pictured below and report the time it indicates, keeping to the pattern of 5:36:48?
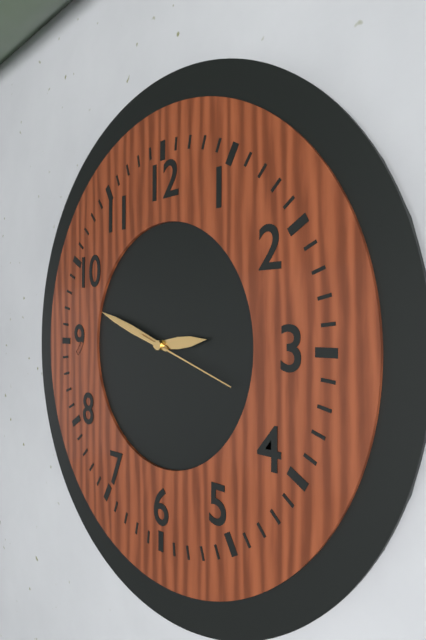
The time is 2:48:18
